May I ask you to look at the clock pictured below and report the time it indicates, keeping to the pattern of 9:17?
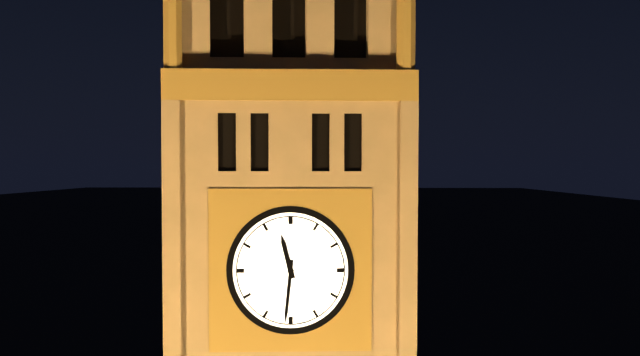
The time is 11:31
